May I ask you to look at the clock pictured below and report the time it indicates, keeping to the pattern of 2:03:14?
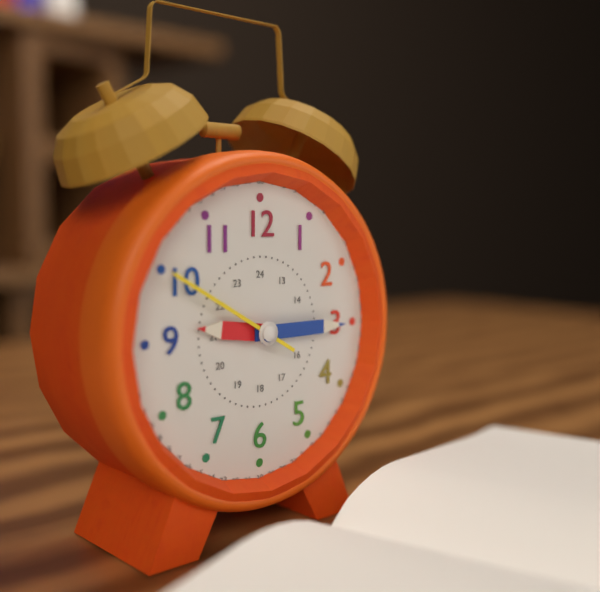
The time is 9:15:50
